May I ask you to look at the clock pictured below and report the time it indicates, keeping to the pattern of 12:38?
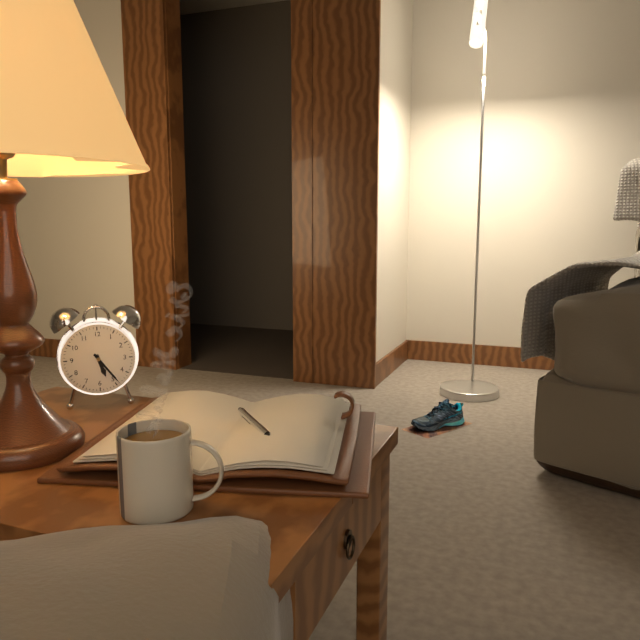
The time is 5:24
